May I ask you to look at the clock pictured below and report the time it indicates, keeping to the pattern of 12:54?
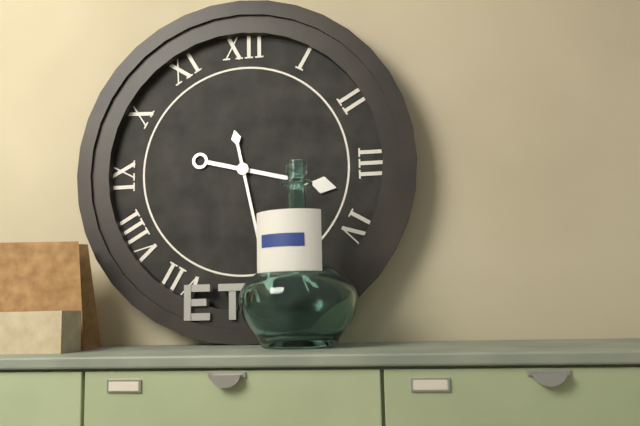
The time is 3:28
